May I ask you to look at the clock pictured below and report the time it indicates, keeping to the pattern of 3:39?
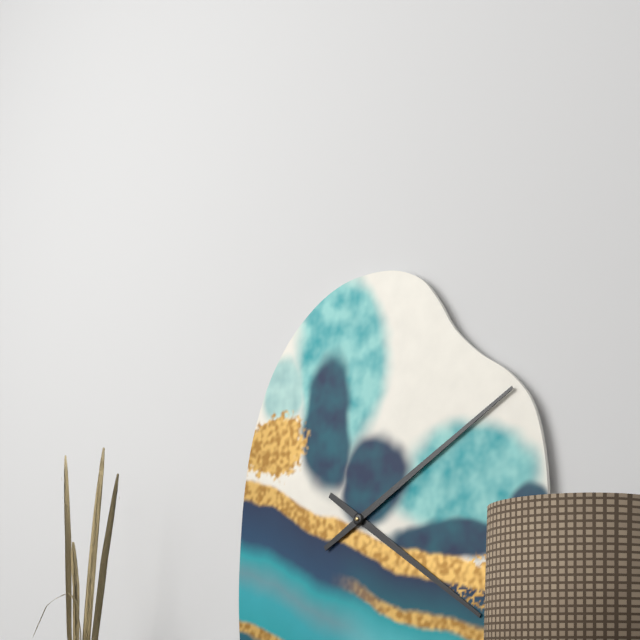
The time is 4:10
